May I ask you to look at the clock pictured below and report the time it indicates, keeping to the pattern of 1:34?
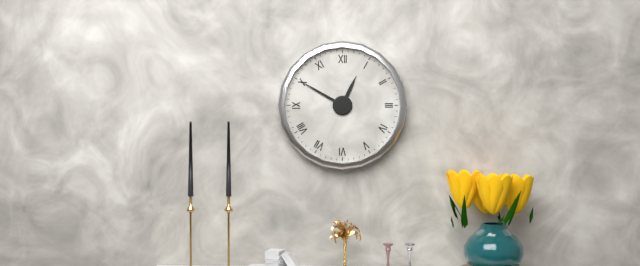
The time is 12:50
